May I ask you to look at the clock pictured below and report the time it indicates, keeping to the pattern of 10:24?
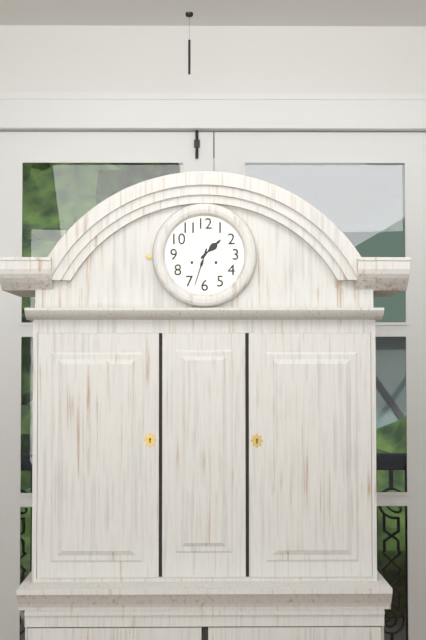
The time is 1:33
